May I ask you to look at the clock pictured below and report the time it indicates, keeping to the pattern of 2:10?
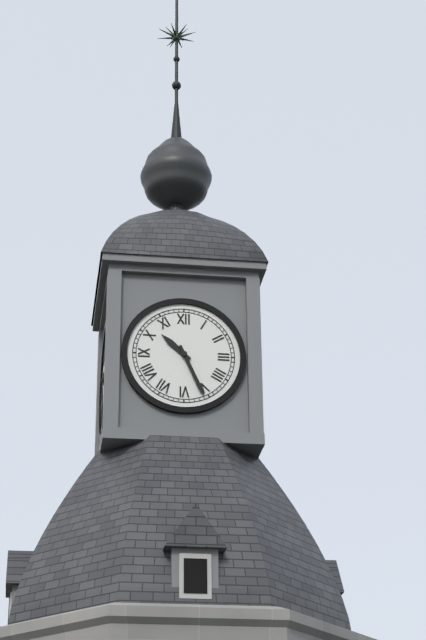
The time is 10:26
